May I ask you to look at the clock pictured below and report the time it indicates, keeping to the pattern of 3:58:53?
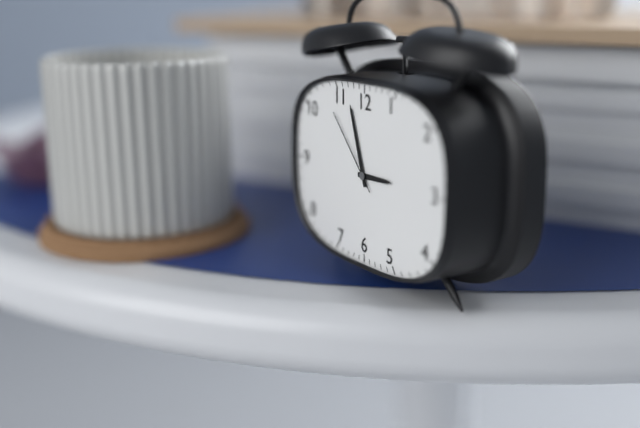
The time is 2:57:53
